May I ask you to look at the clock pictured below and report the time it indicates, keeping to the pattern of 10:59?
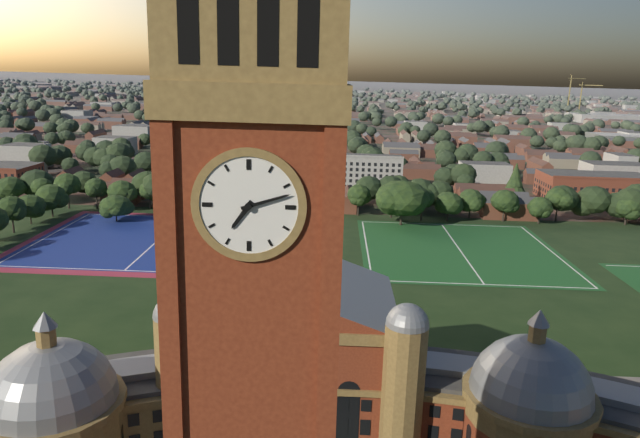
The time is 7:12
